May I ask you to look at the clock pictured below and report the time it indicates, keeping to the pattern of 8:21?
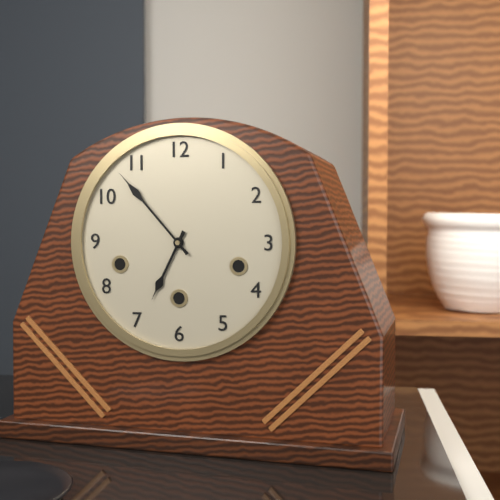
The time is 6:53
